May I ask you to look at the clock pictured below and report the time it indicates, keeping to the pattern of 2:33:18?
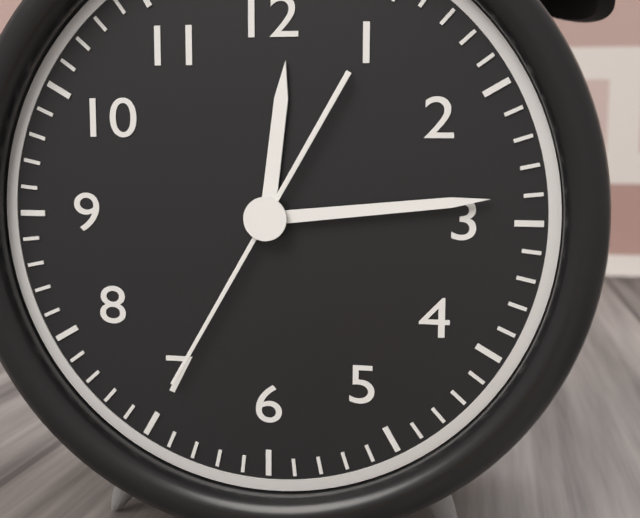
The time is 12:14:35
